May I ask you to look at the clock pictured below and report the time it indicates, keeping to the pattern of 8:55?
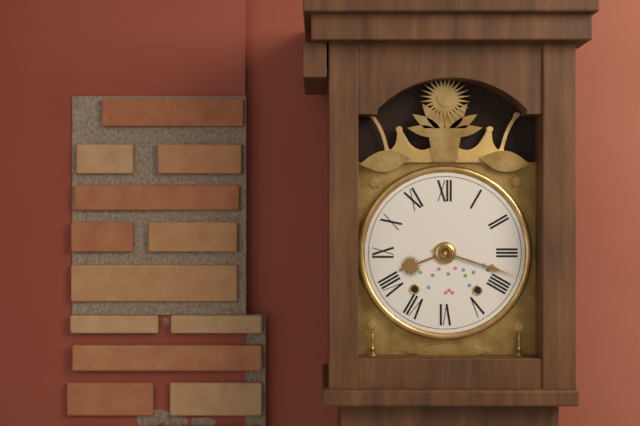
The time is 8:18
